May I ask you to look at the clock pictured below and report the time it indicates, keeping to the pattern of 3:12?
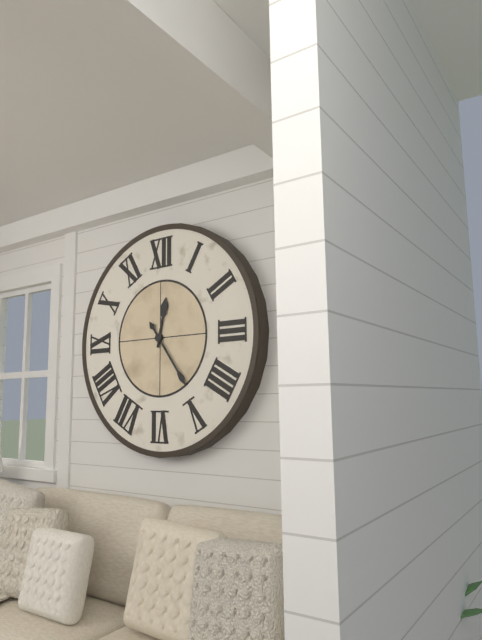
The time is 12:24
